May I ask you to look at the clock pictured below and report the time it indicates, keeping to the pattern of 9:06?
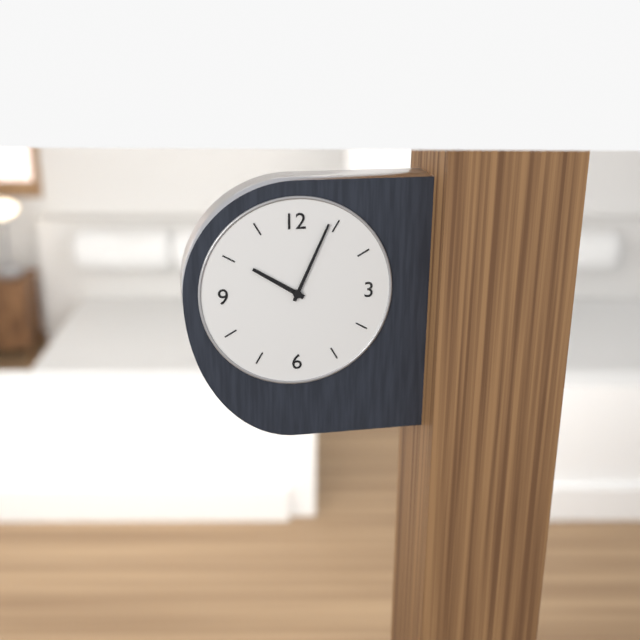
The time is 10:04
